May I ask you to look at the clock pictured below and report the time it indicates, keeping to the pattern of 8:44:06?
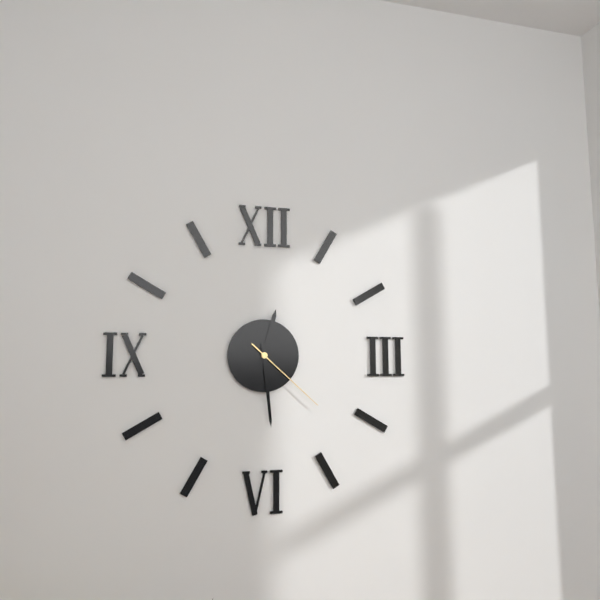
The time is 12:29:22
